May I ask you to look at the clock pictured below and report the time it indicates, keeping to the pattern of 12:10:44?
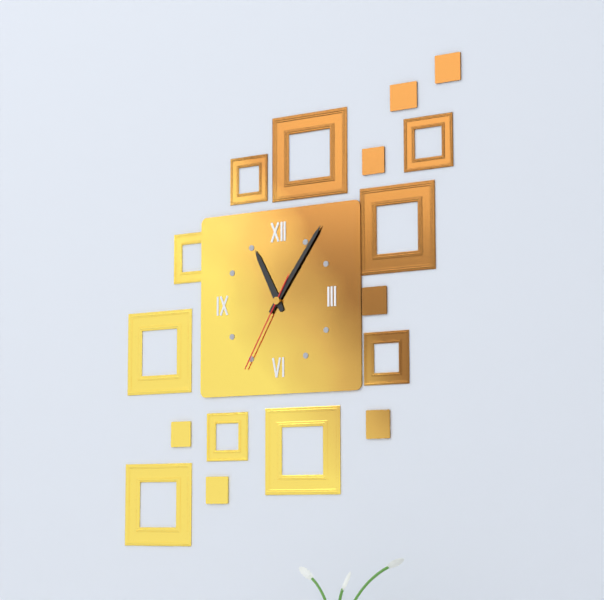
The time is 11:06:35
